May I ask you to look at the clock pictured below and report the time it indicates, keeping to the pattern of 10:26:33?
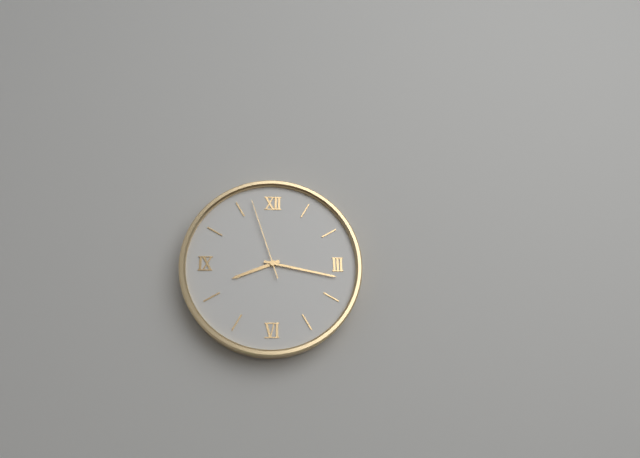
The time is 8:17:57
